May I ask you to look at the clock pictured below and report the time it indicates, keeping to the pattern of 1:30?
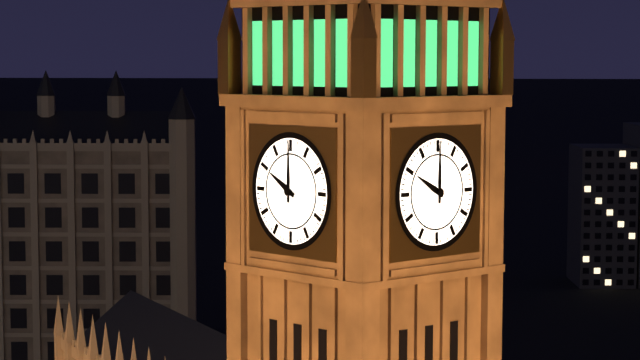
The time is 10:00
